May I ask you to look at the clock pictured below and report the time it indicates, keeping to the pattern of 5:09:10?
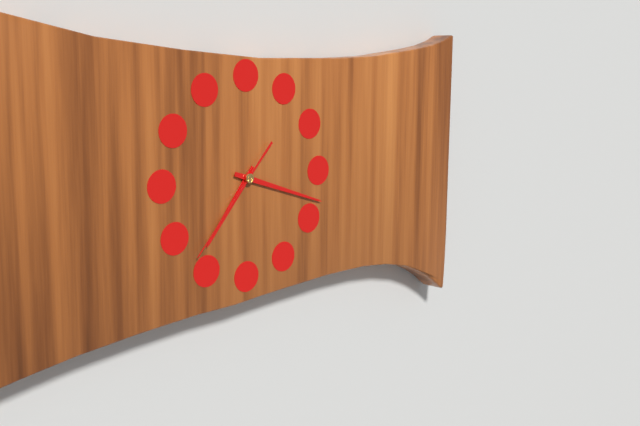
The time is 7:18:37
